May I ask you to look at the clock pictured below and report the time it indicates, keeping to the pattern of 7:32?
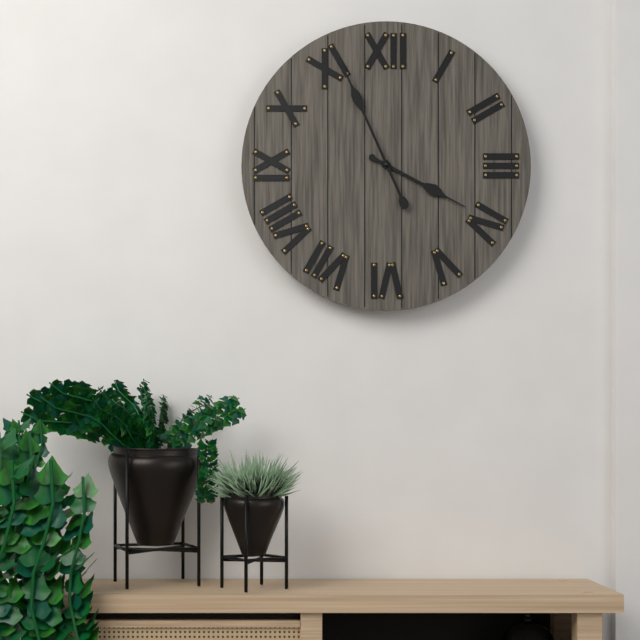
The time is 3:56
